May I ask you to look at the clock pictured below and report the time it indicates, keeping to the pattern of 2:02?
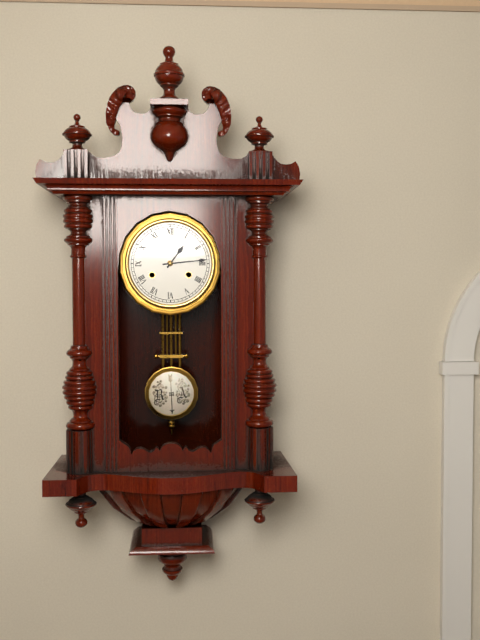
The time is 1:14
